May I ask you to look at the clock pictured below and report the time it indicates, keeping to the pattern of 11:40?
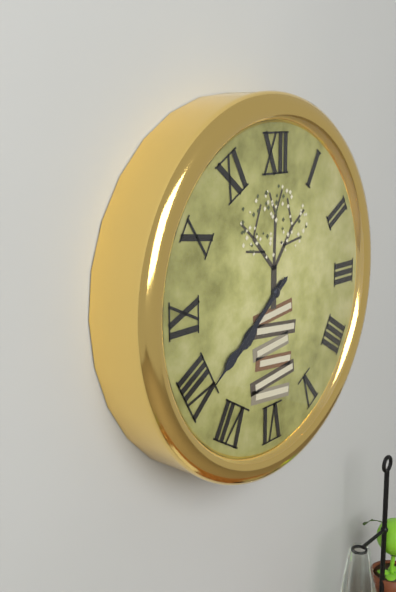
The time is 7:39
